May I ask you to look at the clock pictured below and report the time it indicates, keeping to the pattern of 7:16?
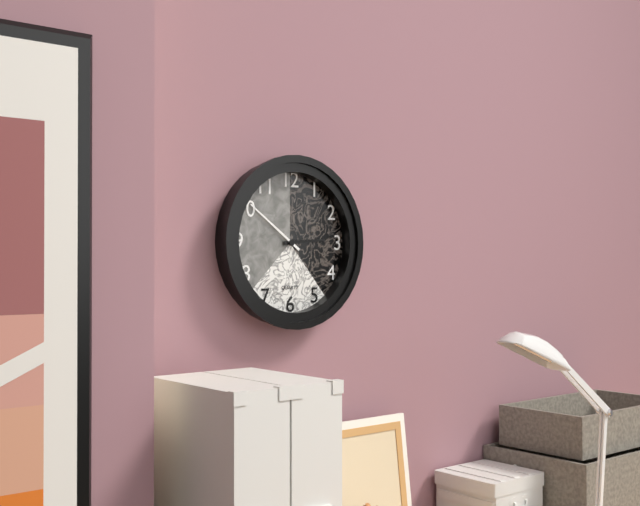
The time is 2:51
